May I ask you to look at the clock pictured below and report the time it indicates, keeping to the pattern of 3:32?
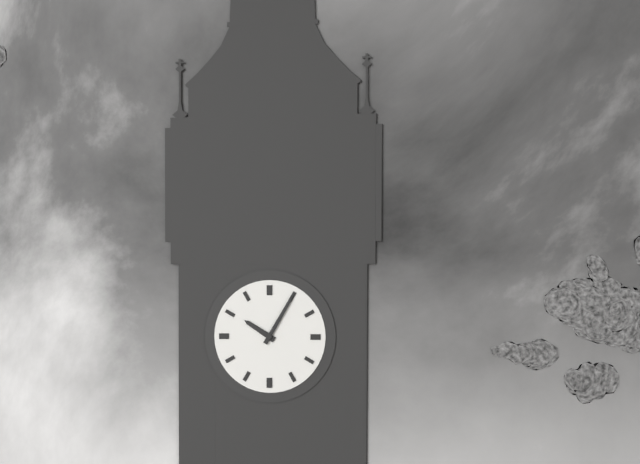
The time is 10:05
